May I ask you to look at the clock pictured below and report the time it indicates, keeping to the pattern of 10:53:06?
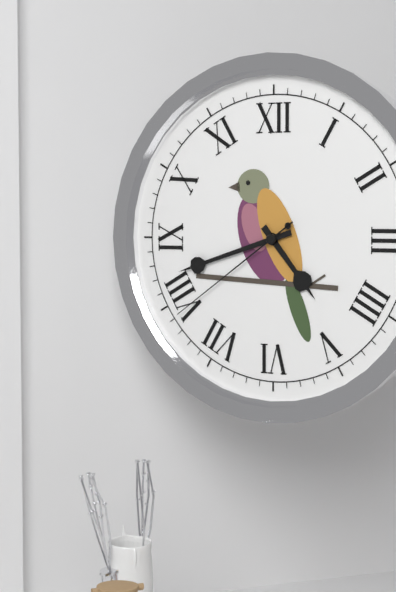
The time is 4:42:39
